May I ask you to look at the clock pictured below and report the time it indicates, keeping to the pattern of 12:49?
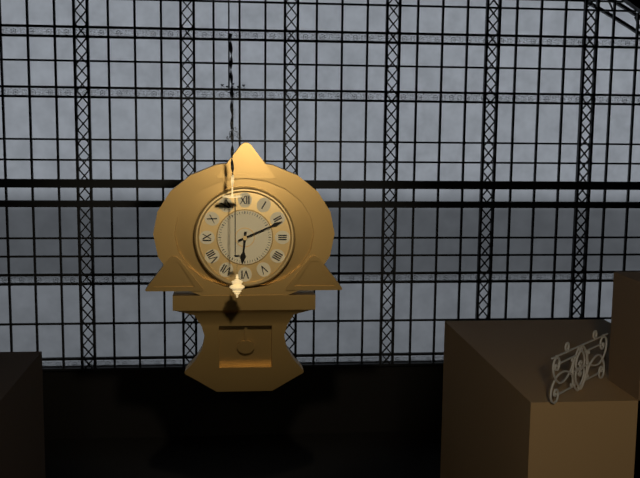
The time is 6:11
